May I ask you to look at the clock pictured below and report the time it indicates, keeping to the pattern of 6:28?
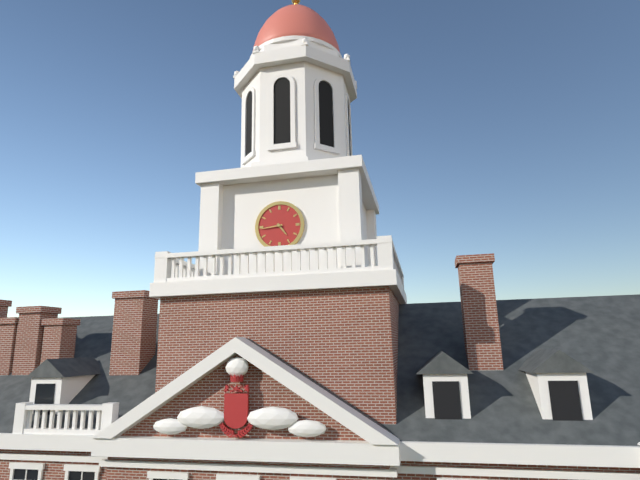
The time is 4:44
